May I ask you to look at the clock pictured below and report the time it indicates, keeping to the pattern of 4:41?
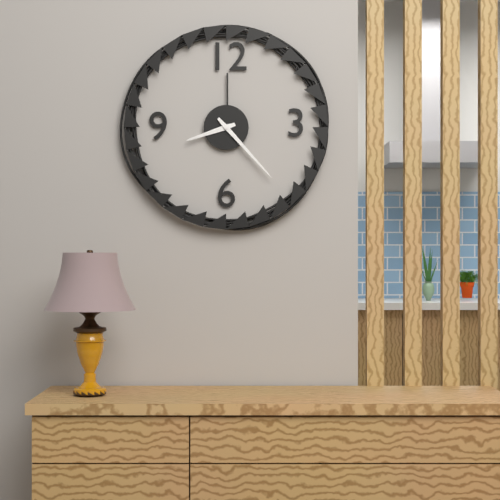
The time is 8:23
